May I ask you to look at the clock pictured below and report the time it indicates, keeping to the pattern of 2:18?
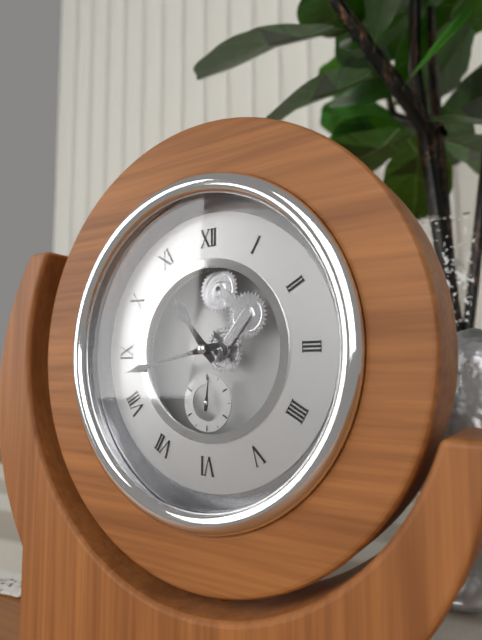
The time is 10:43
